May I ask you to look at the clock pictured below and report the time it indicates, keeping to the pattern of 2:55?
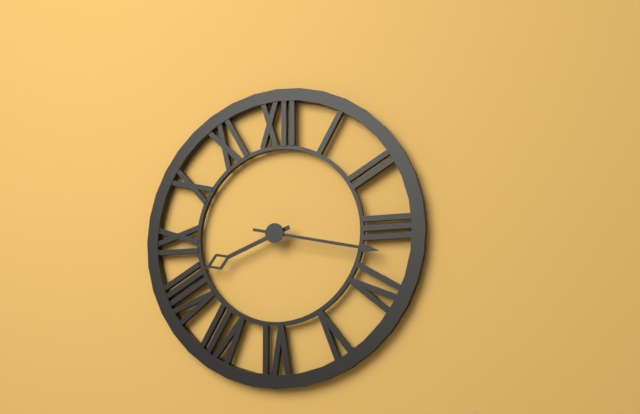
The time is 8:17
